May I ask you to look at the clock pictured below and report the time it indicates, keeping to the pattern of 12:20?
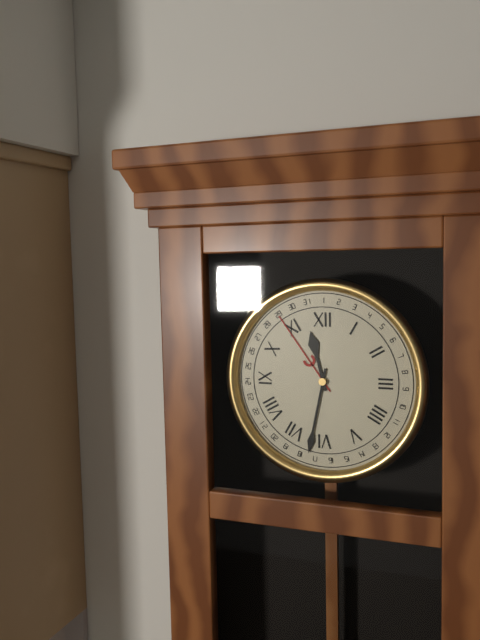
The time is 11:32
